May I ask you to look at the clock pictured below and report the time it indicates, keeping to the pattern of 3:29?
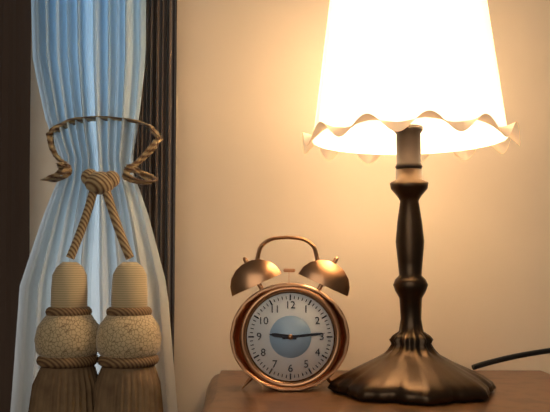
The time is 9:14
